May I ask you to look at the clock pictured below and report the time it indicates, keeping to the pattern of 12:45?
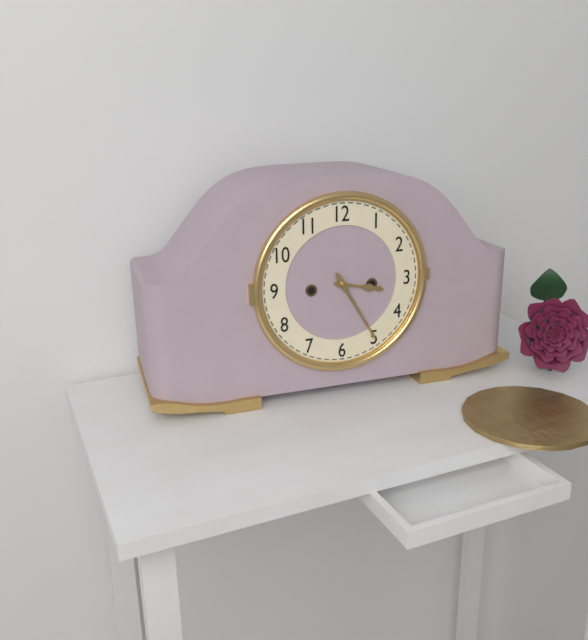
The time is 3:25
